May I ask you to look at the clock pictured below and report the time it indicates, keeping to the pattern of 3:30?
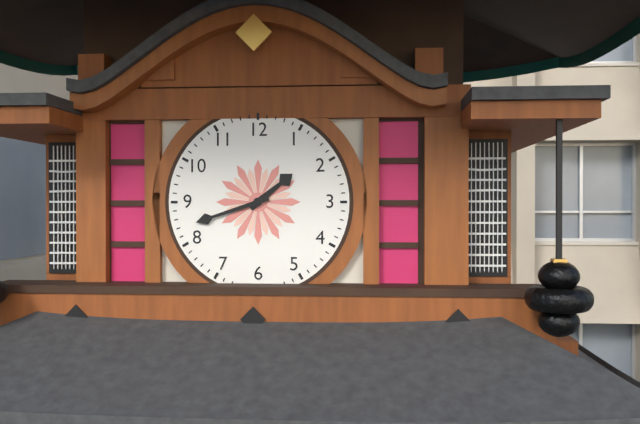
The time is 1:42
